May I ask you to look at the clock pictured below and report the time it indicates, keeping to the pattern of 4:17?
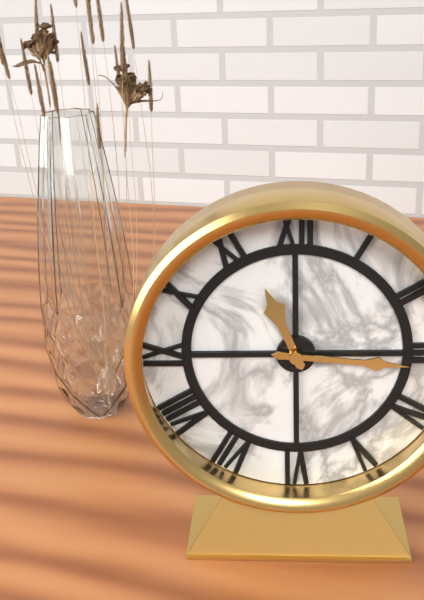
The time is 11:16
